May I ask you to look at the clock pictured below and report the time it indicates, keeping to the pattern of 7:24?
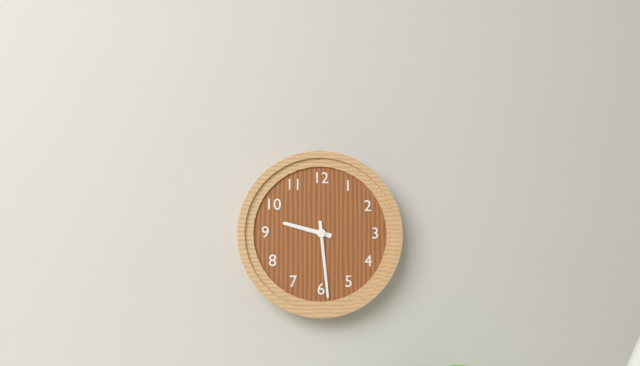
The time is 9:29
